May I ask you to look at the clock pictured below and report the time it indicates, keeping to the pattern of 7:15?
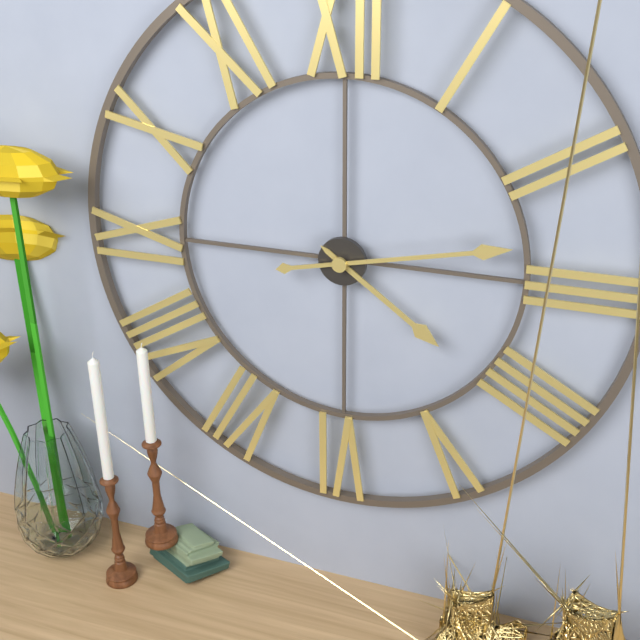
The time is 4:13
